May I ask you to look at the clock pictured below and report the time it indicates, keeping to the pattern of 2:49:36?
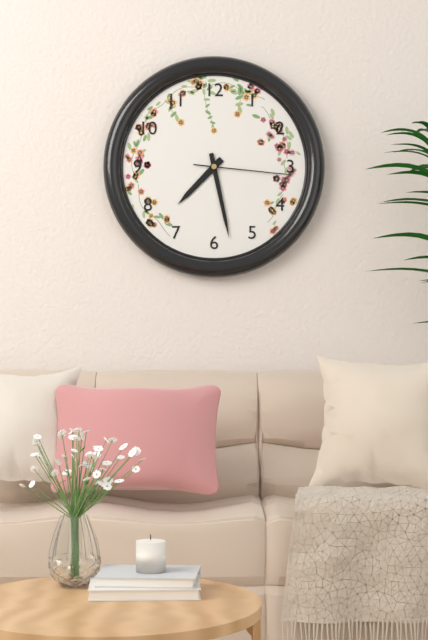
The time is 7:28:16
